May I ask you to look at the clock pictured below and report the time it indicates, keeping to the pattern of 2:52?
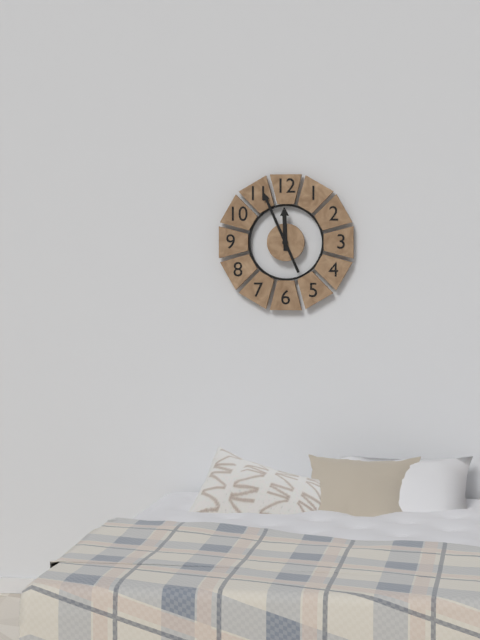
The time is 11:56
